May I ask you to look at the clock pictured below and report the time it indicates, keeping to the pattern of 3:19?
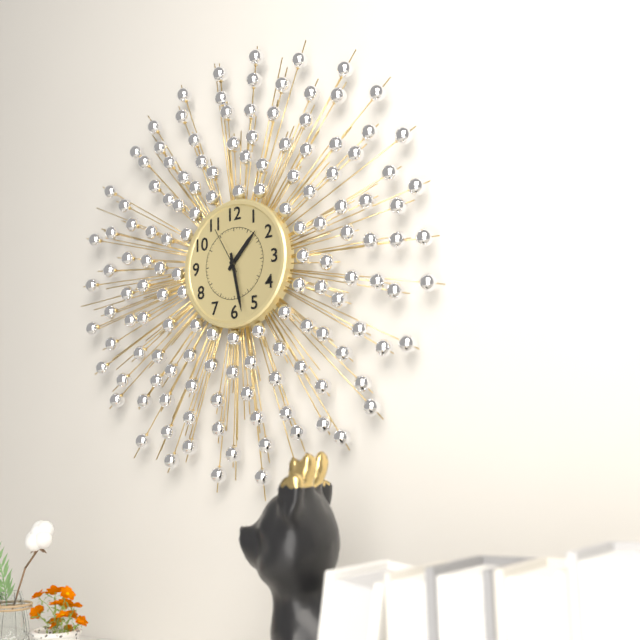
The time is 1:28
